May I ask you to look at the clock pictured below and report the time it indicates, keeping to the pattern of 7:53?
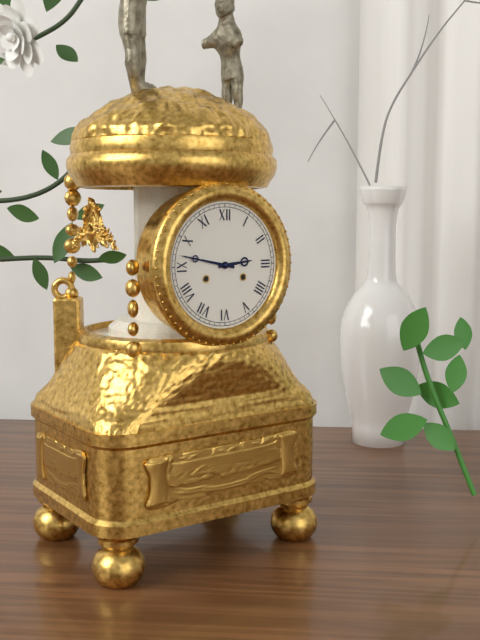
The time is 2:47
